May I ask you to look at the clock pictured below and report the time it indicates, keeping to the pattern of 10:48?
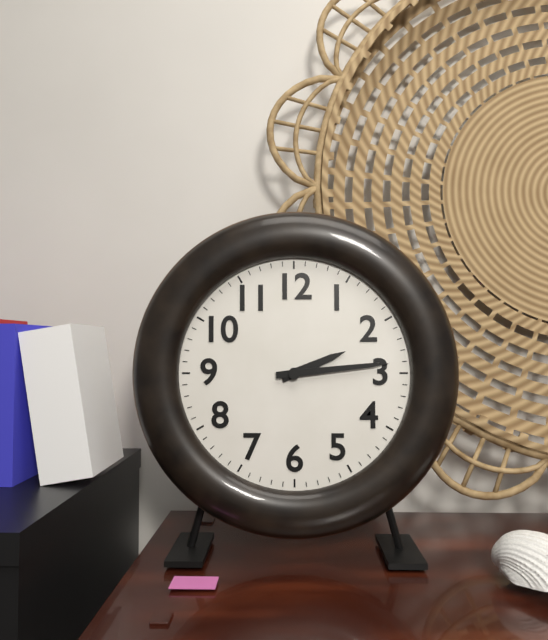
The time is 2:14
